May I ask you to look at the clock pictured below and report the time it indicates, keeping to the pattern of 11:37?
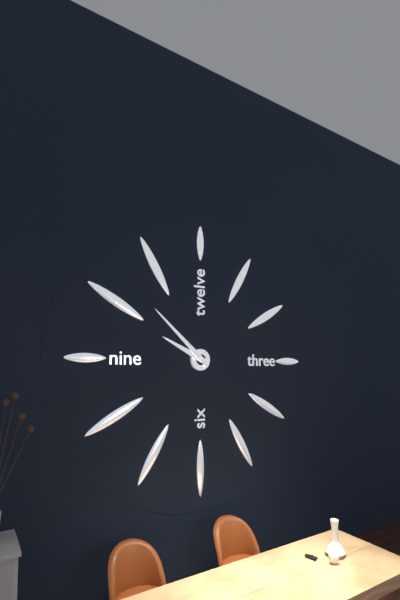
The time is 9:52
